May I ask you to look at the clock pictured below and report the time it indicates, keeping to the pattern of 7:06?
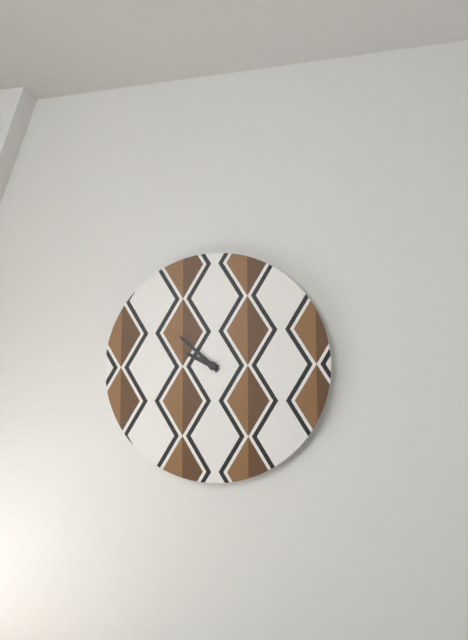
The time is 9:52
